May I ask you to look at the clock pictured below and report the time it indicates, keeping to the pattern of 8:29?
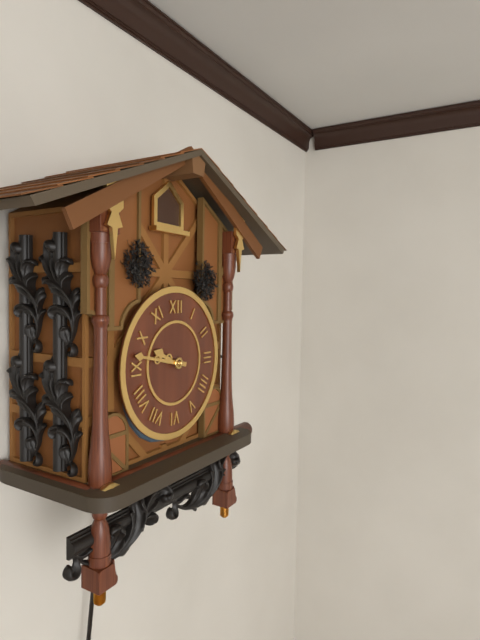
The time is 9:47
